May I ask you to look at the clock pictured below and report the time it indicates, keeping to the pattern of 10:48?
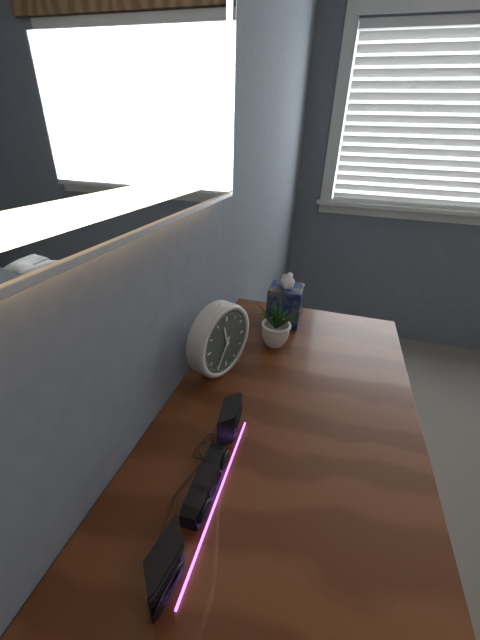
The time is 11:35
